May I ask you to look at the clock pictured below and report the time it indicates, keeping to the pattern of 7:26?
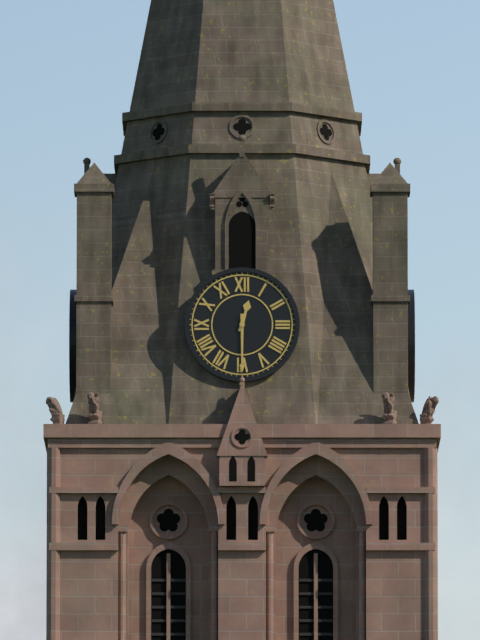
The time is 12:30
